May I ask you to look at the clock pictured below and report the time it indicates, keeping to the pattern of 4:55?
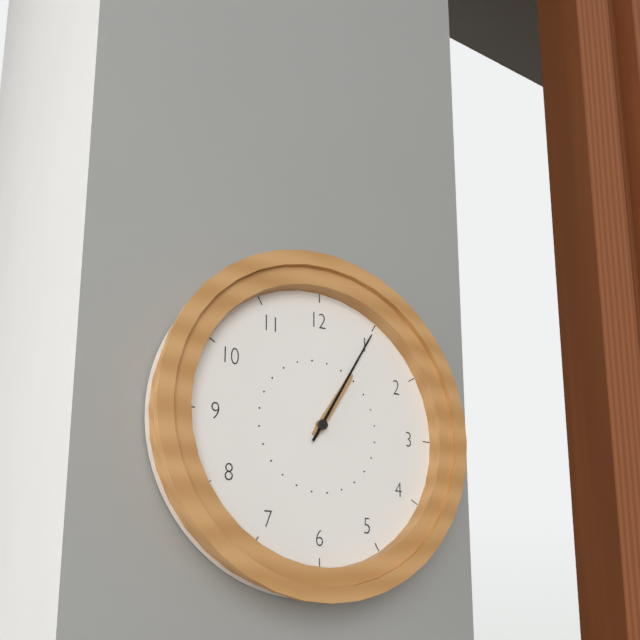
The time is 1:05
